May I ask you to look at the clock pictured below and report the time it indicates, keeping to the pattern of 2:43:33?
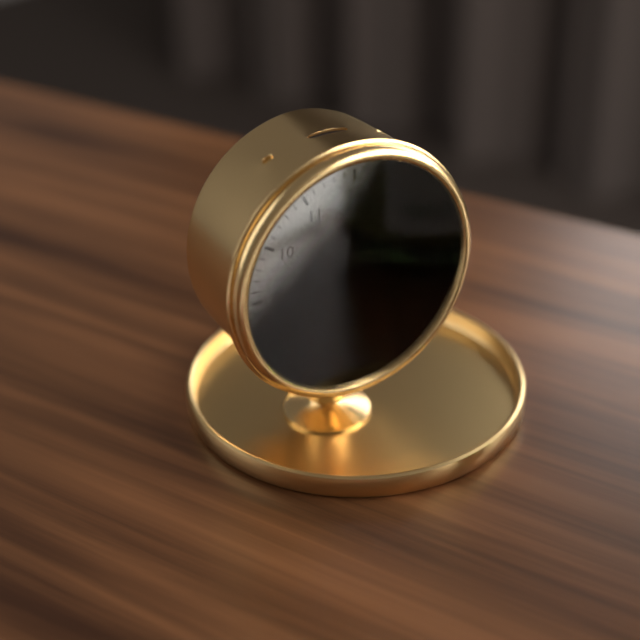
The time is 8:37:18
